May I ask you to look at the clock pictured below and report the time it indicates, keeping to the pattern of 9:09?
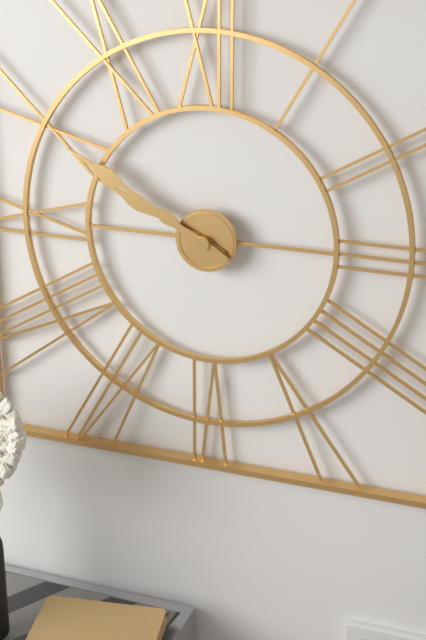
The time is 9:50
